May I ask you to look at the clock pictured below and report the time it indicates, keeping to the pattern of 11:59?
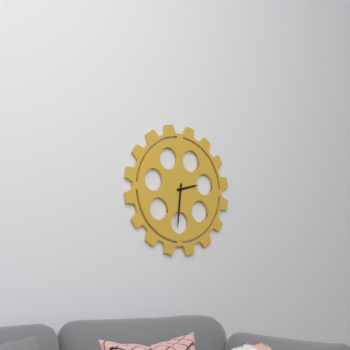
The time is 2:31
